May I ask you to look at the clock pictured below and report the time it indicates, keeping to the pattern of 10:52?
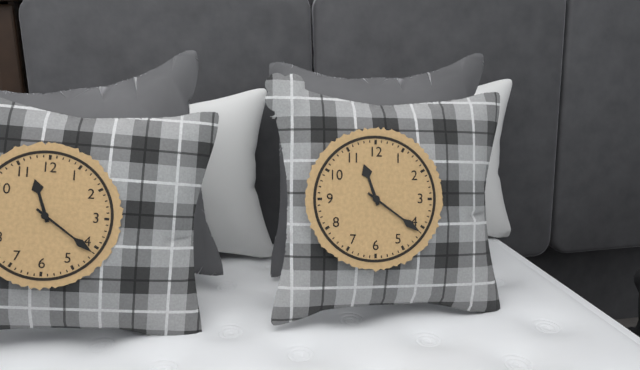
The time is 11:21
